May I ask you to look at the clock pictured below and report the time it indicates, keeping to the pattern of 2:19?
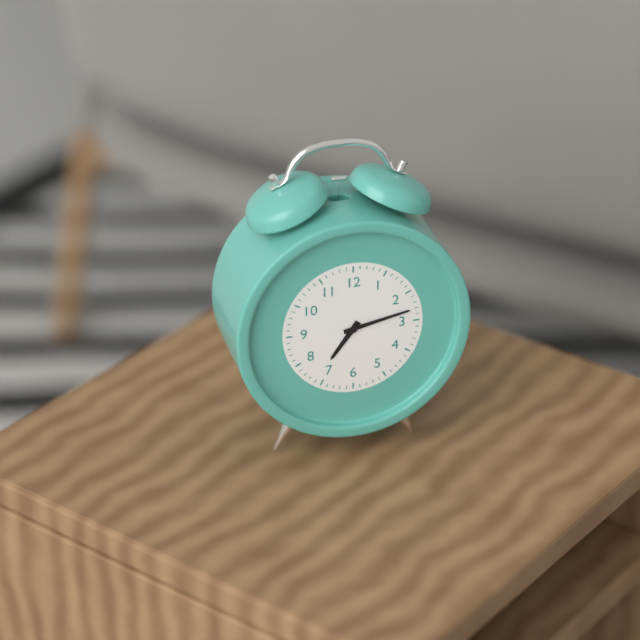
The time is 7:13
